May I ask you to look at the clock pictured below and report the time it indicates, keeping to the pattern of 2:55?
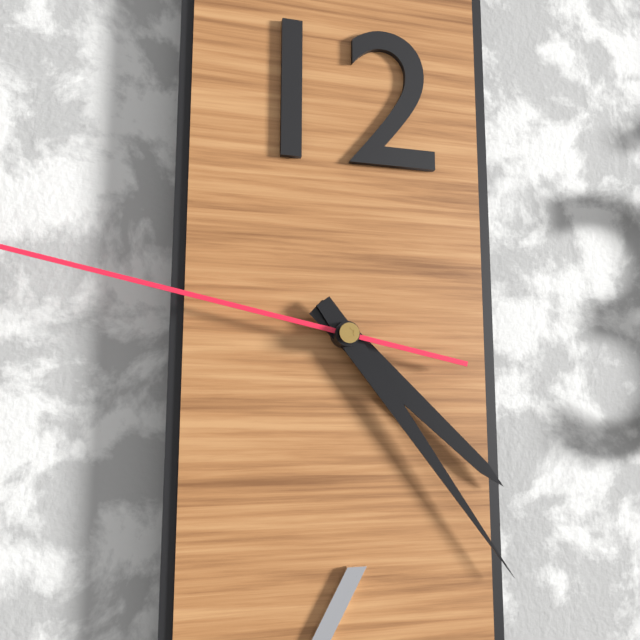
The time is 4:24
